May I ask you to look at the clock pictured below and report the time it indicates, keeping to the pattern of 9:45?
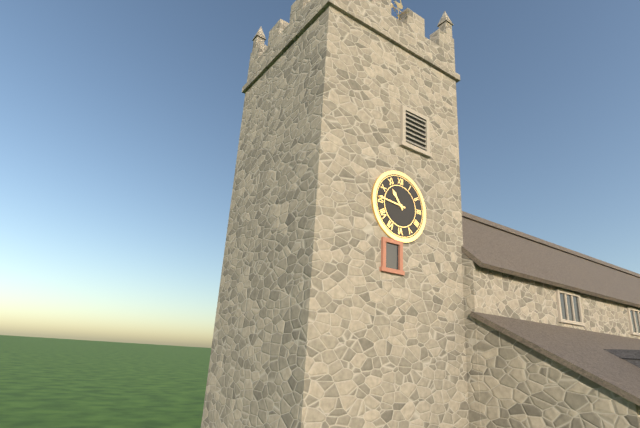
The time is 10:46
